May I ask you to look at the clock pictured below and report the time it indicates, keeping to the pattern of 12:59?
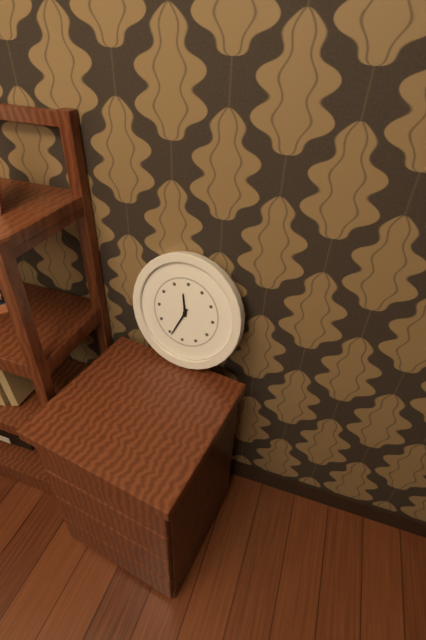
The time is 11:34
